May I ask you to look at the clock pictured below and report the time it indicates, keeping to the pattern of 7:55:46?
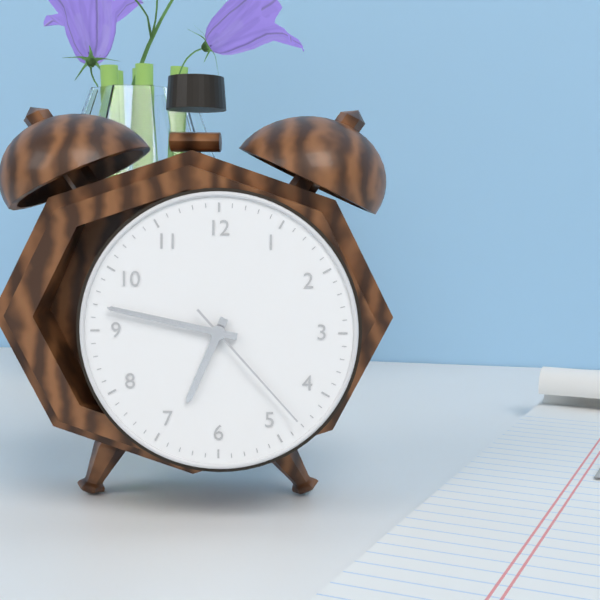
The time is 6:47:23
